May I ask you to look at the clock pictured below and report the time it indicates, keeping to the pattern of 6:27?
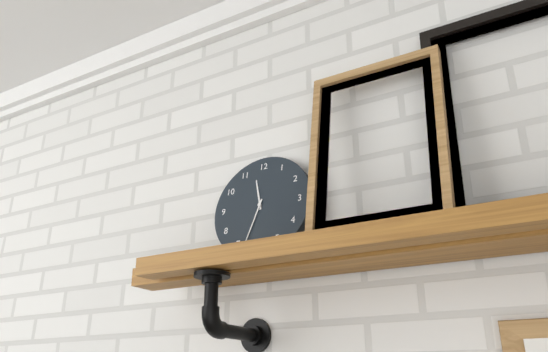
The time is 11:33
